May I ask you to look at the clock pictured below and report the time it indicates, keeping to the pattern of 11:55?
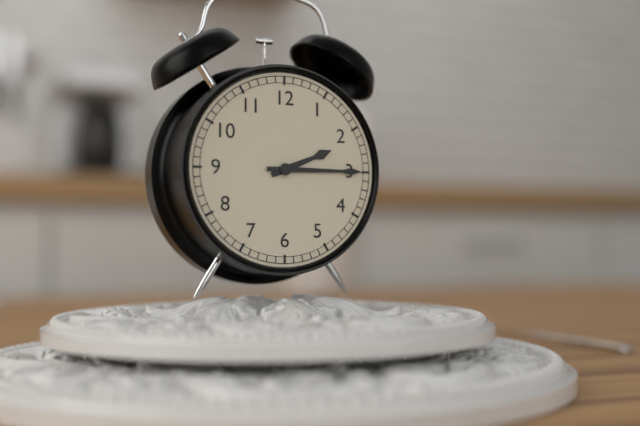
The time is 2:15
